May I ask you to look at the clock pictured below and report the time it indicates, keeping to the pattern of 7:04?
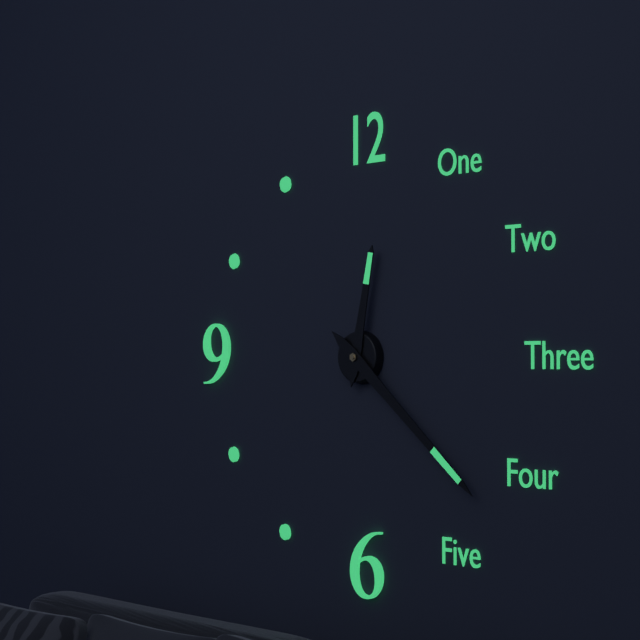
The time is 12:22
